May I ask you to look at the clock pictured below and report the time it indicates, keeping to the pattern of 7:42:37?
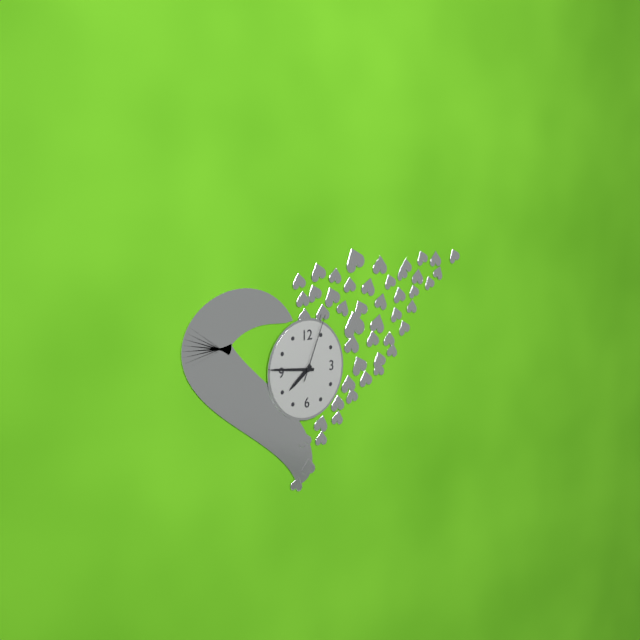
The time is 7:46:04
